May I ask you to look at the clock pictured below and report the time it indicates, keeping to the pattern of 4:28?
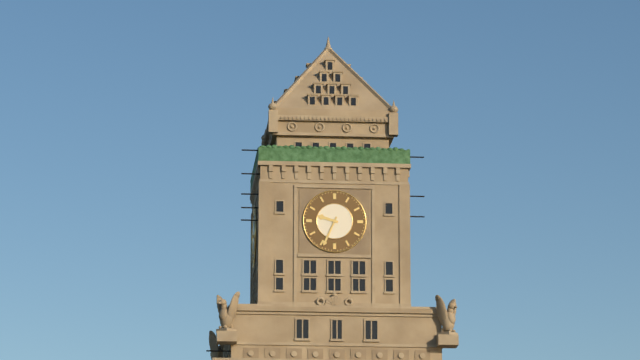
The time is 9:34
